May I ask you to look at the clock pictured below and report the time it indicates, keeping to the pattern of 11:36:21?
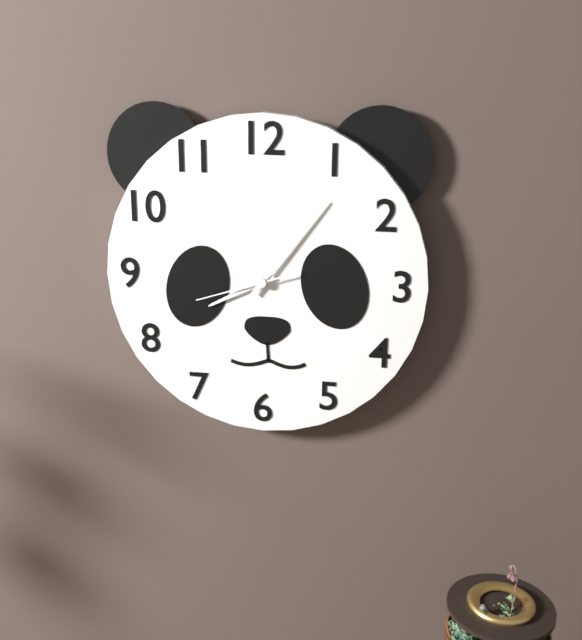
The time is 8:06:42
